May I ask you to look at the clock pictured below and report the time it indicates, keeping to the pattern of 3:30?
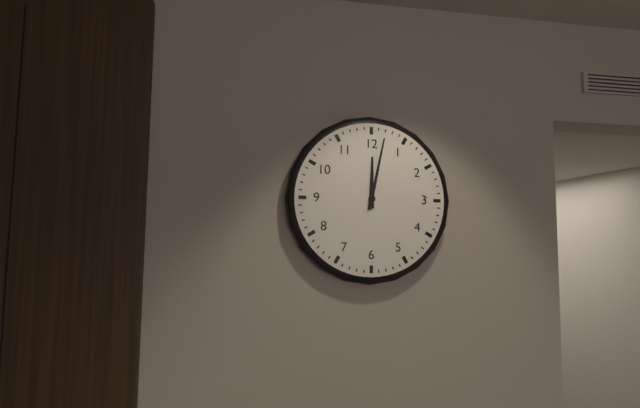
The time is 12:02
